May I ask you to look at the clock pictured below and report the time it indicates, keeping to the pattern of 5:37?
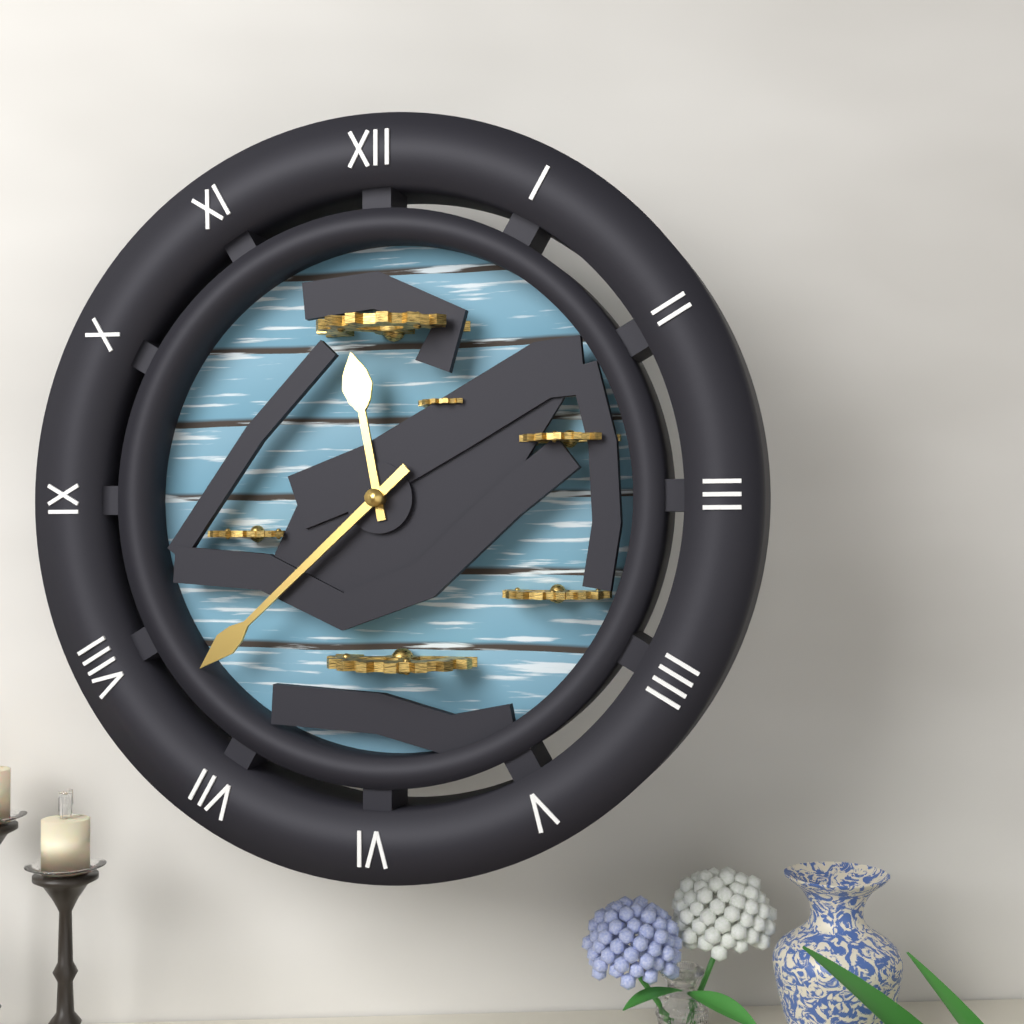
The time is 11:38
